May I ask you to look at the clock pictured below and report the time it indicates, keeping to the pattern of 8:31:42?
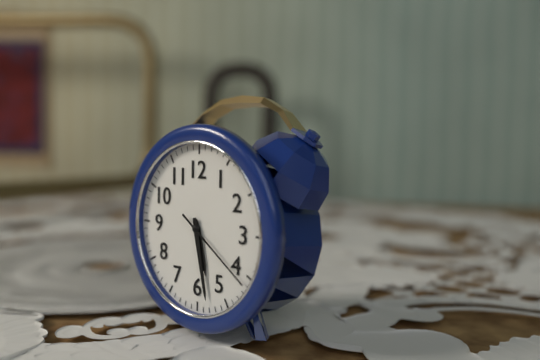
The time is 5:28:21
